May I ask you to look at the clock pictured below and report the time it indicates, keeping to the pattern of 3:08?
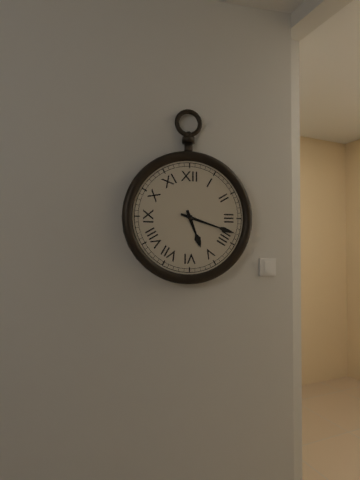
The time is 5:18
